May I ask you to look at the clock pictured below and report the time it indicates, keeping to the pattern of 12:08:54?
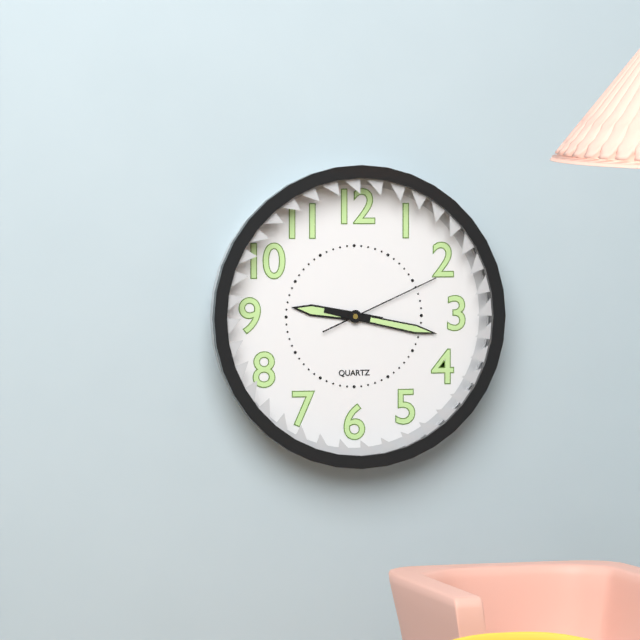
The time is 9:17:11
